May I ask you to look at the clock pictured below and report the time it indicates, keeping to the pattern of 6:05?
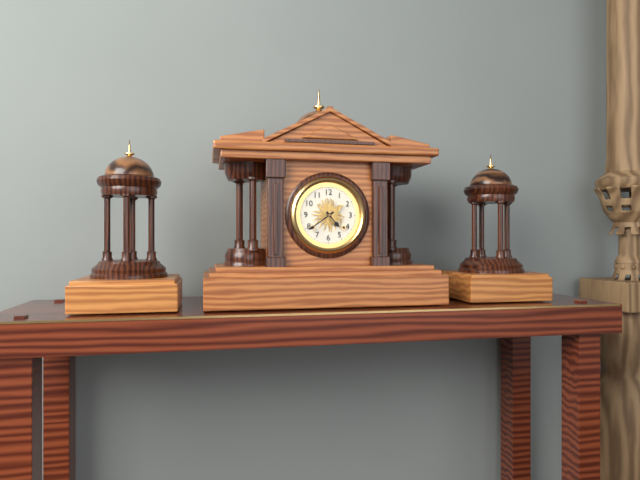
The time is 4:39
